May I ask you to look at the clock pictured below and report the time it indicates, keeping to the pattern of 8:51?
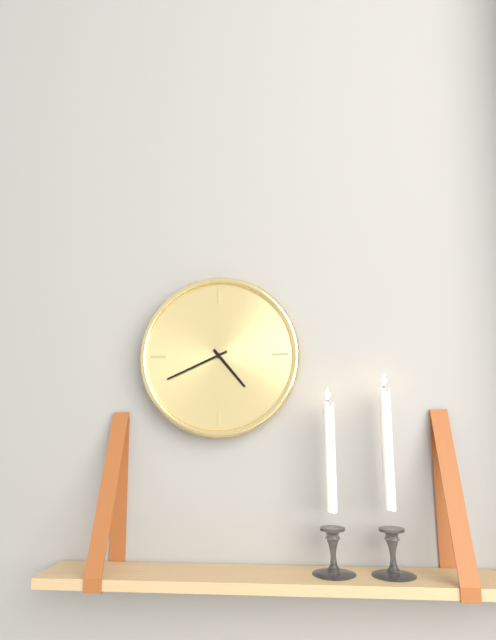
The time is 4:41
